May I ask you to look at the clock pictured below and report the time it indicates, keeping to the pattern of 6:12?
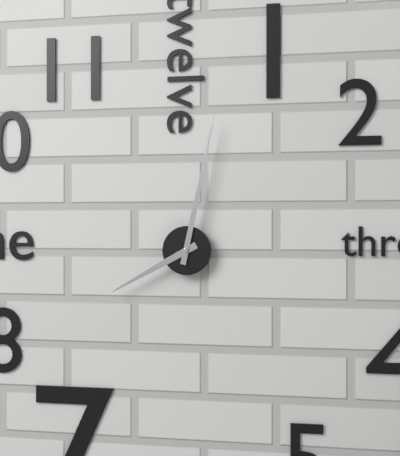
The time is 8:02
